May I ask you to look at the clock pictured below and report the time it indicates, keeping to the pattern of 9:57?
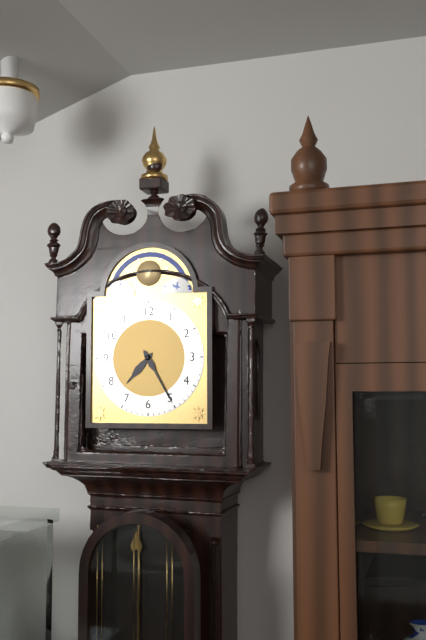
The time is 7:25
